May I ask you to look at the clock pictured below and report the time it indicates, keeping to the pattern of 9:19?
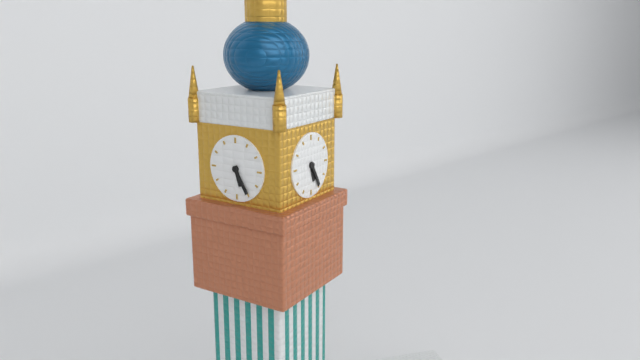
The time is 5:25
